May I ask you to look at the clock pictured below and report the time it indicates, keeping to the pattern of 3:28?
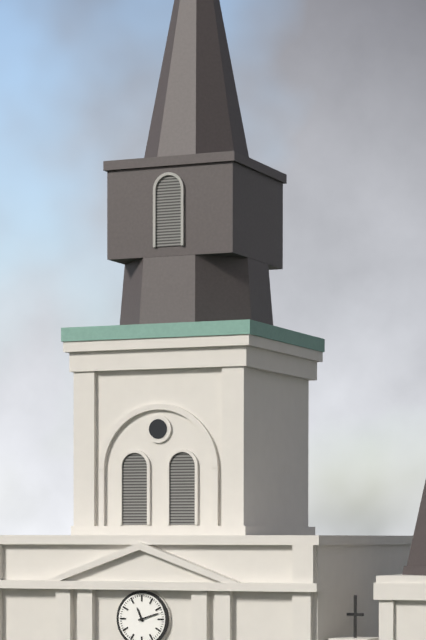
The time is 11:12
